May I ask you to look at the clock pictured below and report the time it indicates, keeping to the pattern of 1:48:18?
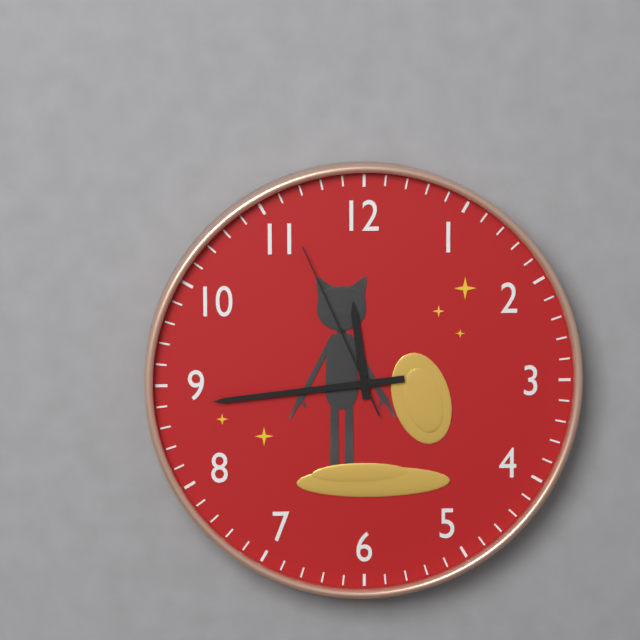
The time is 11:44:56
